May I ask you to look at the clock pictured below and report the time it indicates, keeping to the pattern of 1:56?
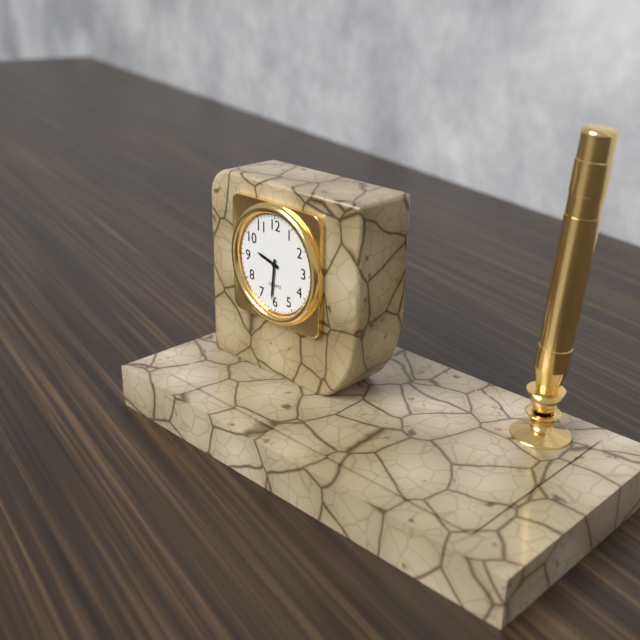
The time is 9:31
